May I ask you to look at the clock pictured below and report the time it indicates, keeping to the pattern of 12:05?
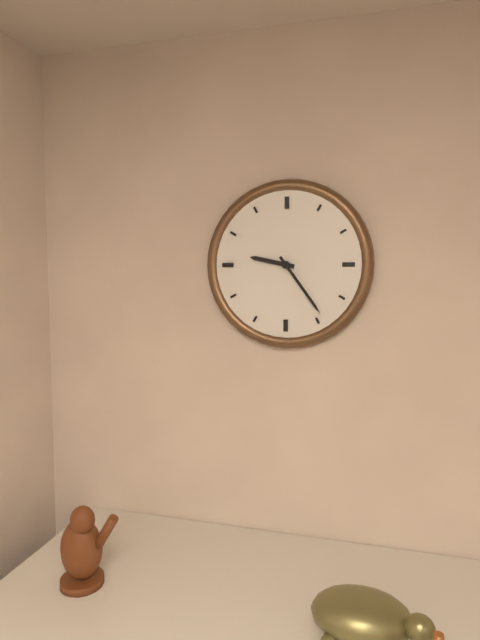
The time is 9:24
